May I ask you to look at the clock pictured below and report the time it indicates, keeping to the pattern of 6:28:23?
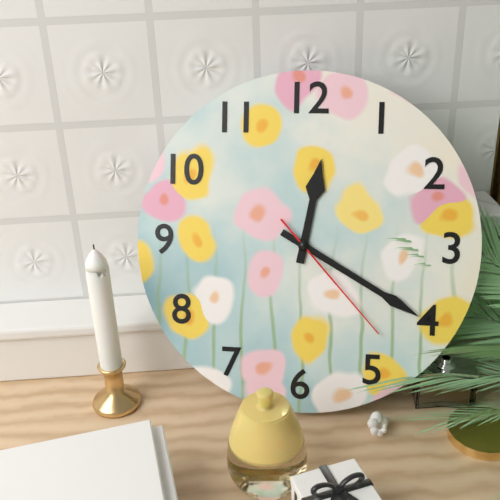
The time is 12:20:23
